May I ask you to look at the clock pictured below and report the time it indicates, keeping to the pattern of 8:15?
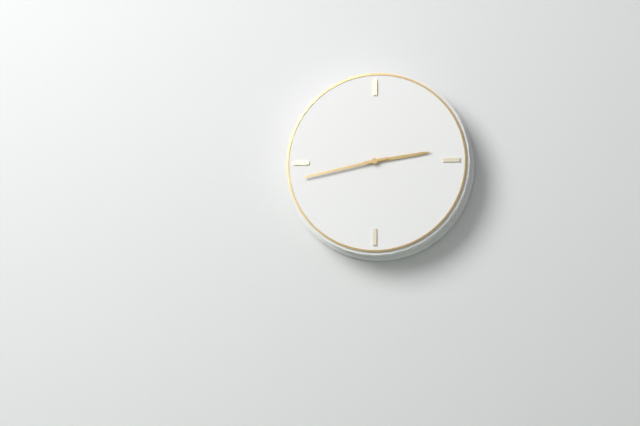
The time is 2:43
